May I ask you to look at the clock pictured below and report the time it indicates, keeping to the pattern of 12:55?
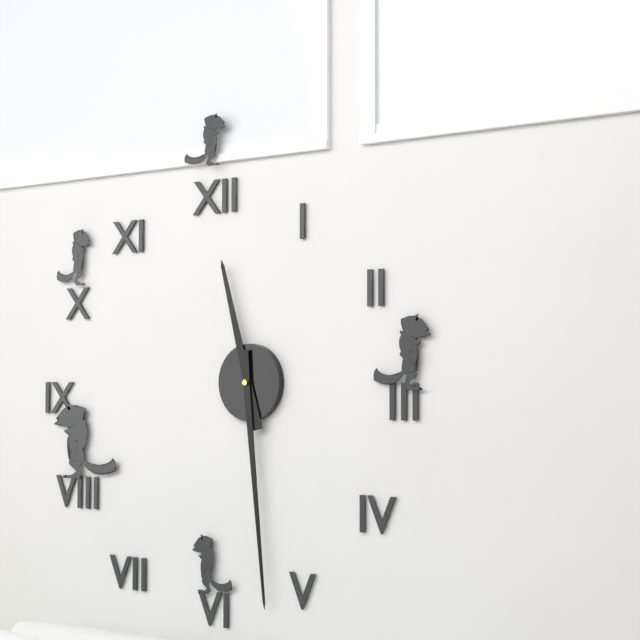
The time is 11:29
